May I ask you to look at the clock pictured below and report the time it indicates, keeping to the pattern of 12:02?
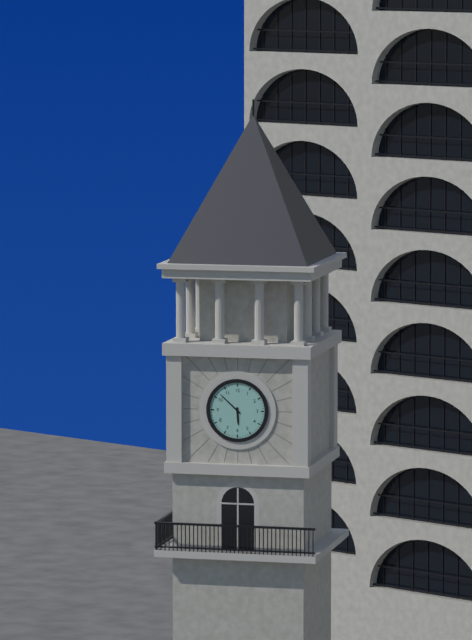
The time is 5:52
